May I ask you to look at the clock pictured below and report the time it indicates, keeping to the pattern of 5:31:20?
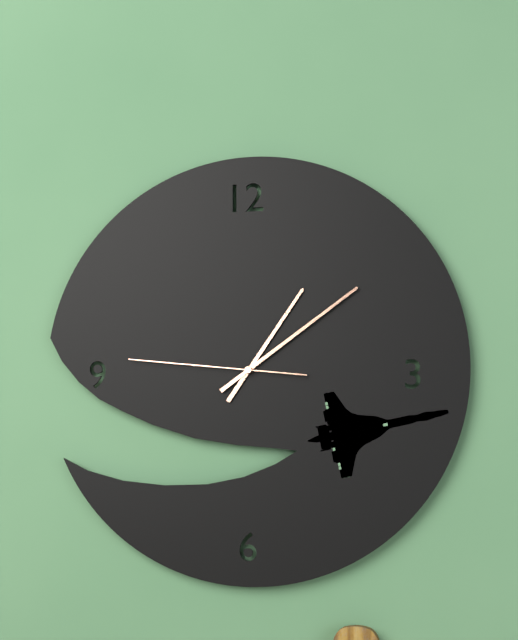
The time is 1:09:46
